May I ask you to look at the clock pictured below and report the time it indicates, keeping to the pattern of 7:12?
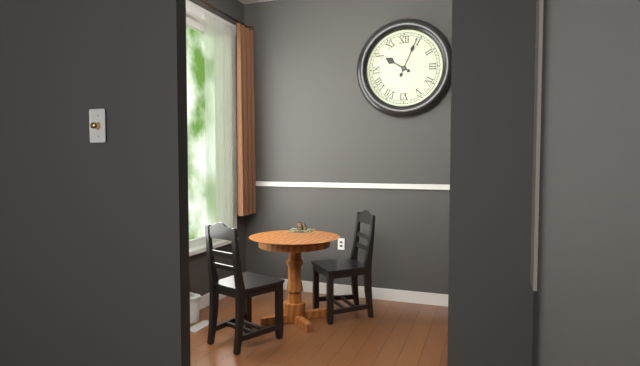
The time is 10:04
